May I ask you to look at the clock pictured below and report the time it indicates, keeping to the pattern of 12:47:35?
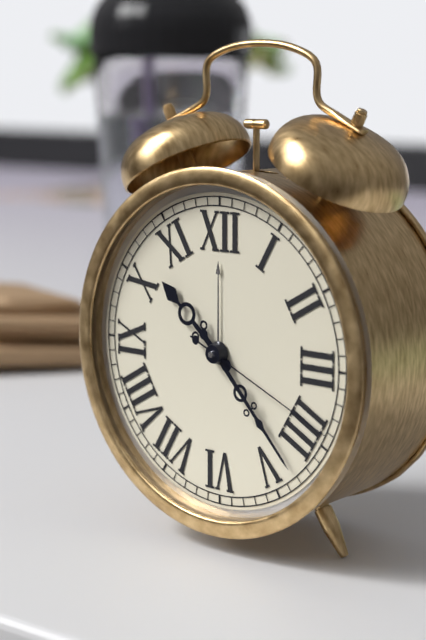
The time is 10:23:19
